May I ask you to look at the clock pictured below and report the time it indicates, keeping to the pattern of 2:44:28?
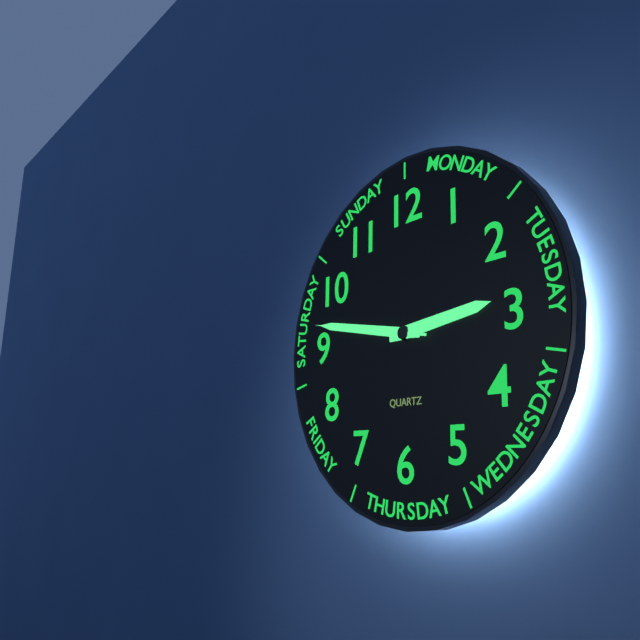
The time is 2:47:47
